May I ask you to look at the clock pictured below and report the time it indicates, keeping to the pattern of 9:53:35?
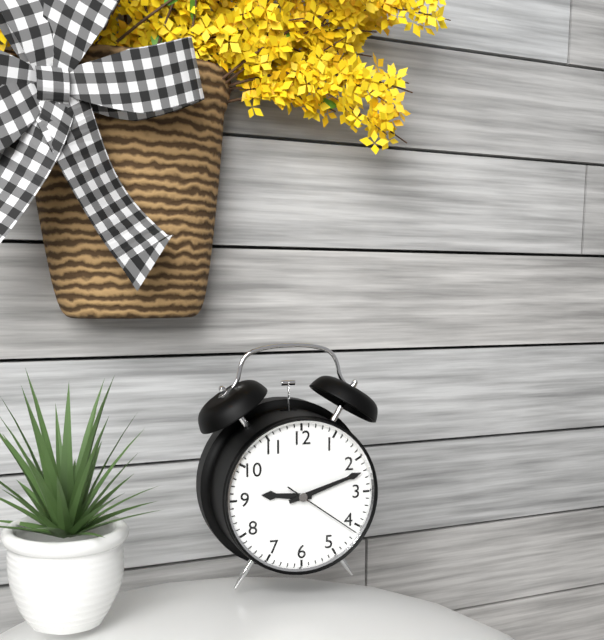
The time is 9:12:21
